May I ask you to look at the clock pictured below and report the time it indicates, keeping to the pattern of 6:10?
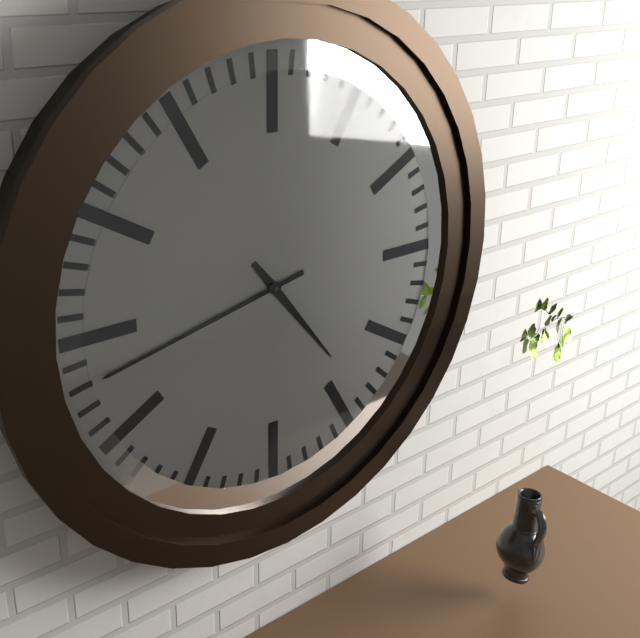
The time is 4:43
